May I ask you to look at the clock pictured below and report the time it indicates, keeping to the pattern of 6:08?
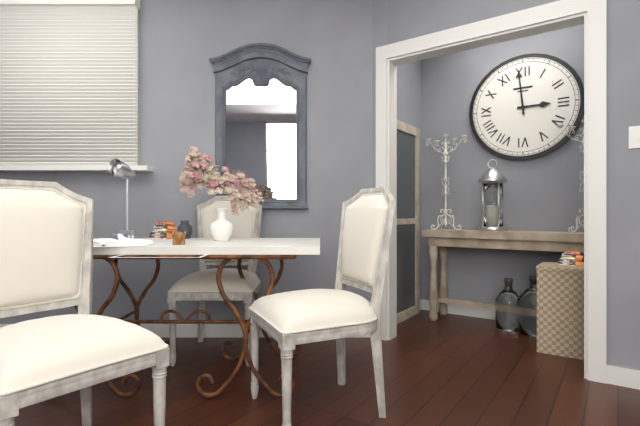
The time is 2:59
